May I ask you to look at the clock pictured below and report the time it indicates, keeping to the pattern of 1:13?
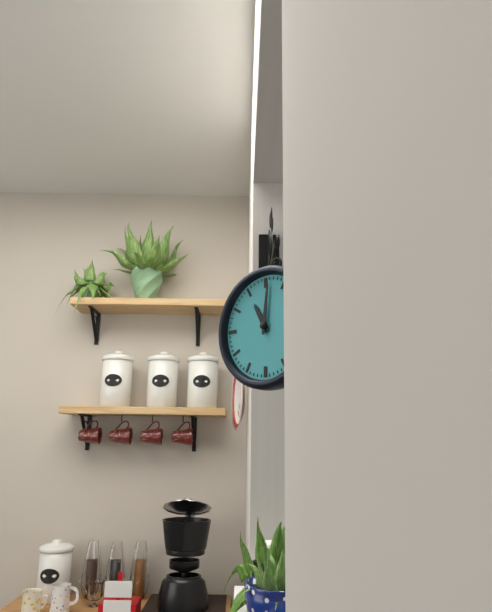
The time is 11:01
